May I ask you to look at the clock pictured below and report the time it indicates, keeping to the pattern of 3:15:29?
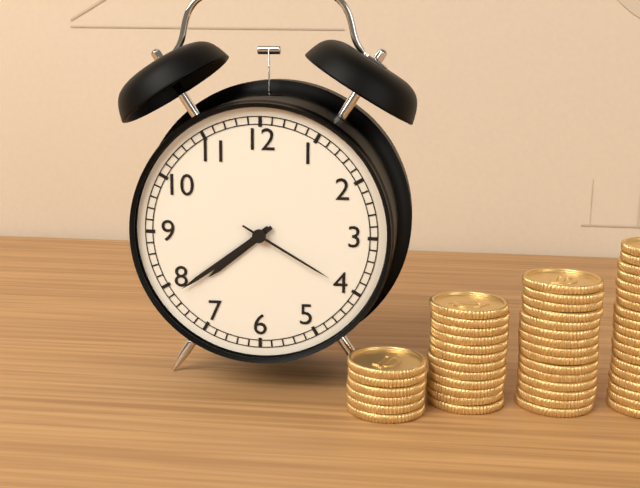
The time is 7:39:20
